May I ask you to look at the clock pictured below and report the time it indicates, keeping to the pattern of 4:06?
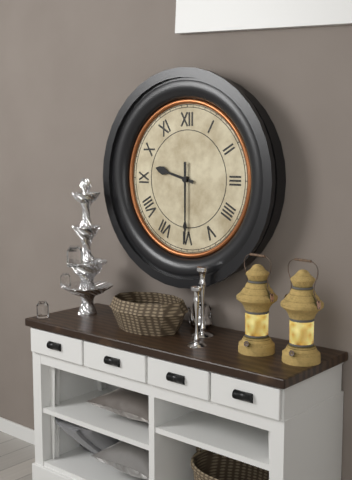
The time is 9:30
